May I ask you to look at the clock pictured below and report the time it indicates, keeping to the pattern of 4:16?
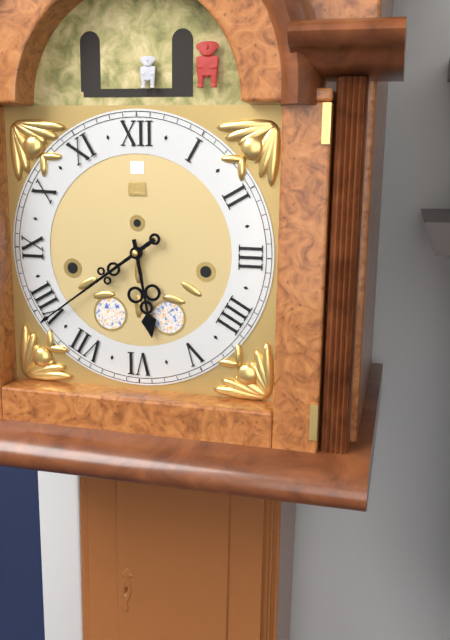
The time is 5:39
